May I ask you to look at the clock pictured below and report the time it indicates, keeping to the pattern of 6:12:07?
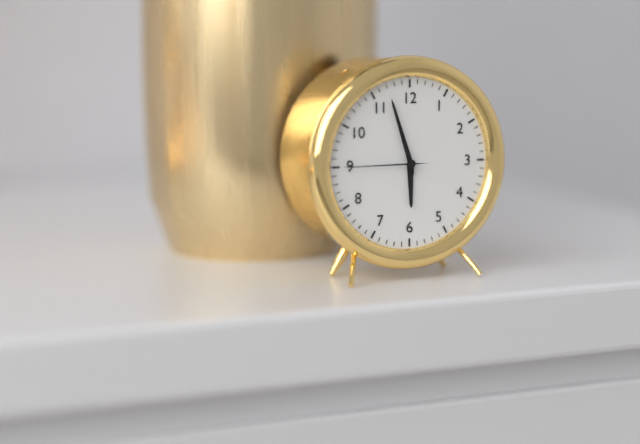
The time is 5:57:45
